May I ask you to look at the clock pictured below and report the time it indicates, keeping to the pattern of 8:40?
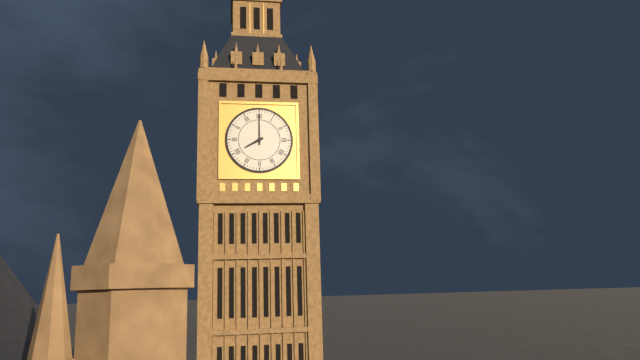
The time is 8:00
